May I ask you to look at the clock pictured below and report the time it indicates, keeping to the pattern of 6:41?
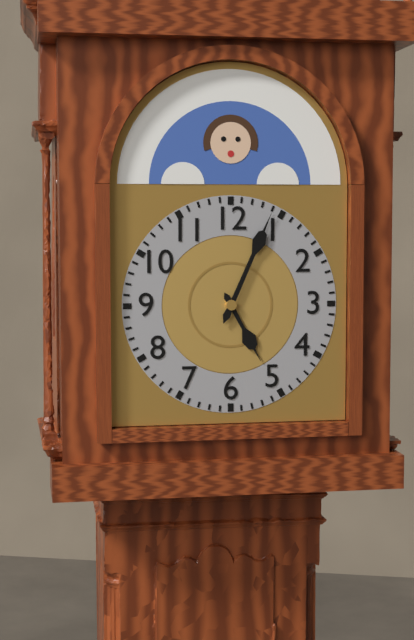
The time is 5:04
